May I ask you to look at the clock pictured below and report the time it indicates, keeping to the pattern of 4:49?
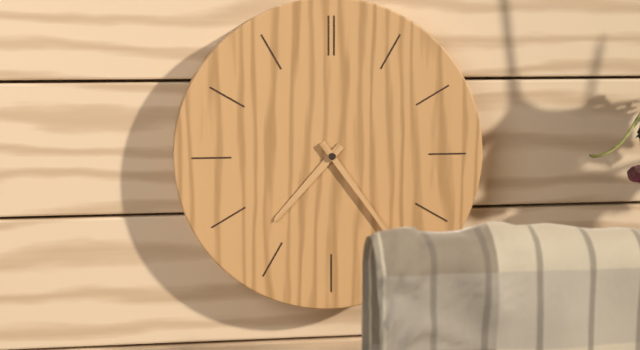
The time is 7:24
